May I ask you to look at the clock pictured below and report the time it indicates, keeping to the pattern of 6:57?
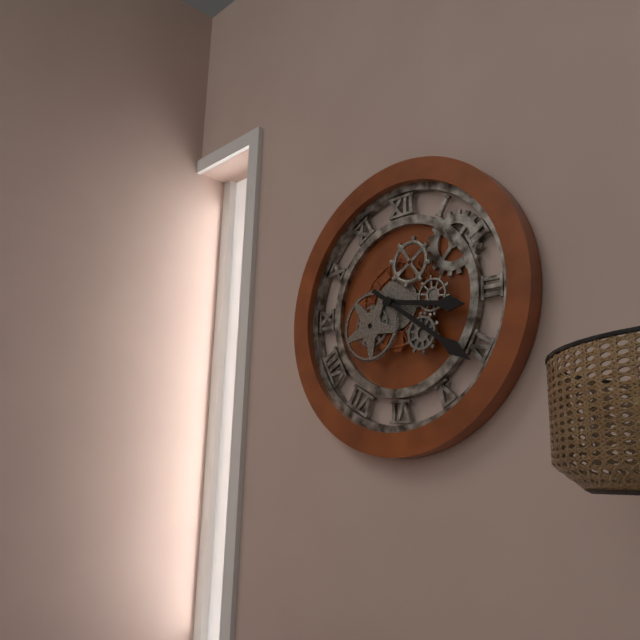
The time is 3:21
